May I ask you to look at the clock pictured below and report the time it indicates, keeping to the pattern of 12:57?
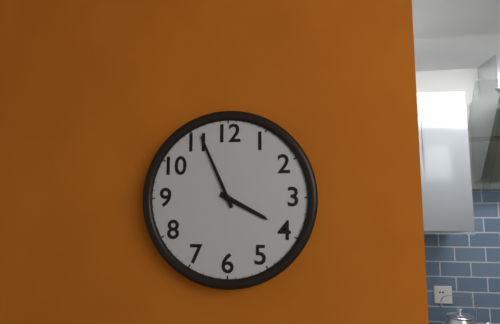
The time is 3:56
